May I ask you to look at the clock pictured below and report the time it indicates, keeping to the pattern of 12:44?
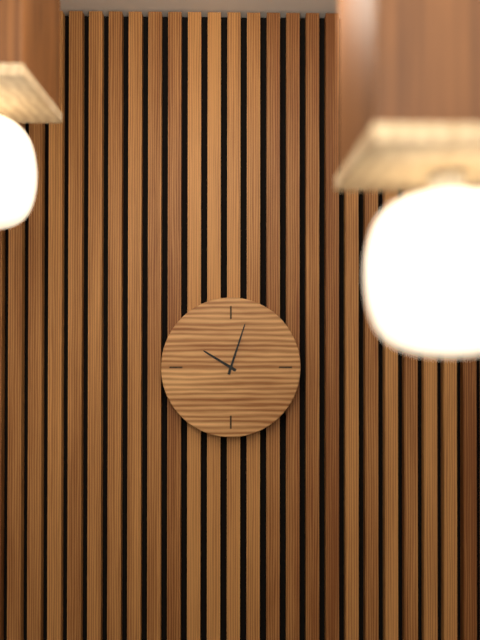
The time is 10:03
